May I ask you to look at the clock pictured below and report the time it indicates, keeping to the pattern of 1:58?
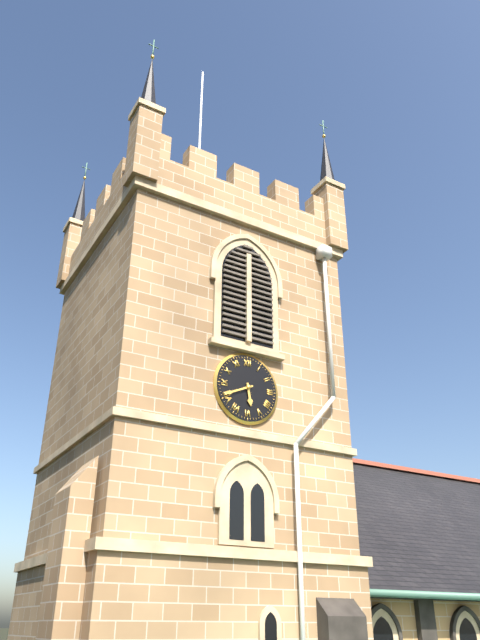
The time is 5:41
